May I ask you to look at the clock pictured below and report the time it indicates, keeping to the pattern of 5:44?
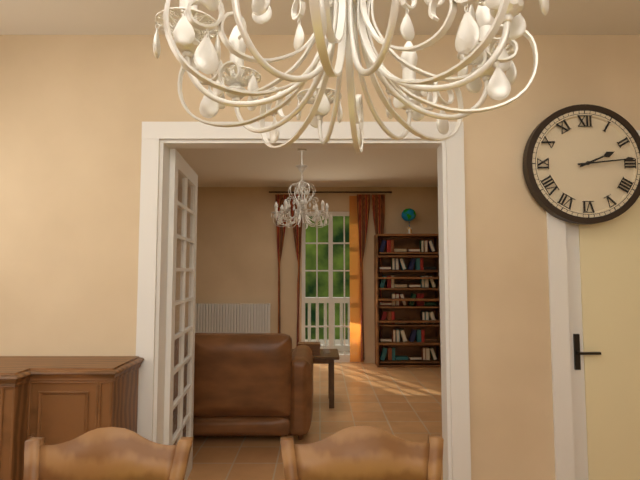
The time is 2:14
